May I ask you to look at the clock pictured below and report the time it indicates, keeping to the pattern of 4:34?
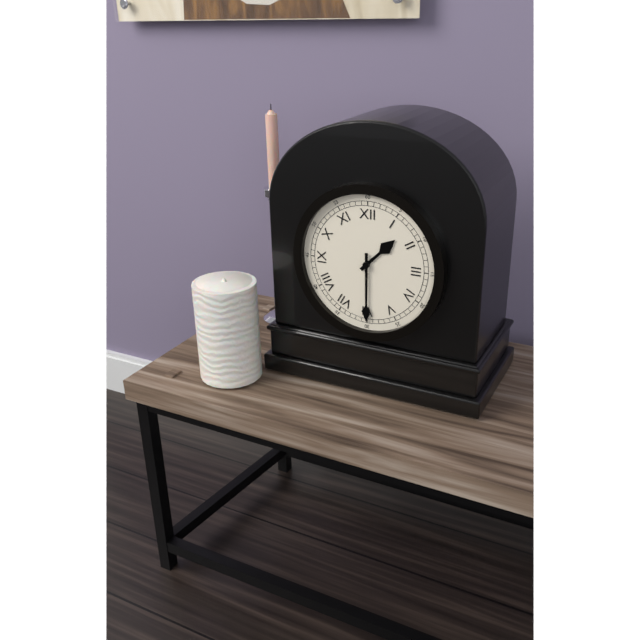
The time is 1:30
